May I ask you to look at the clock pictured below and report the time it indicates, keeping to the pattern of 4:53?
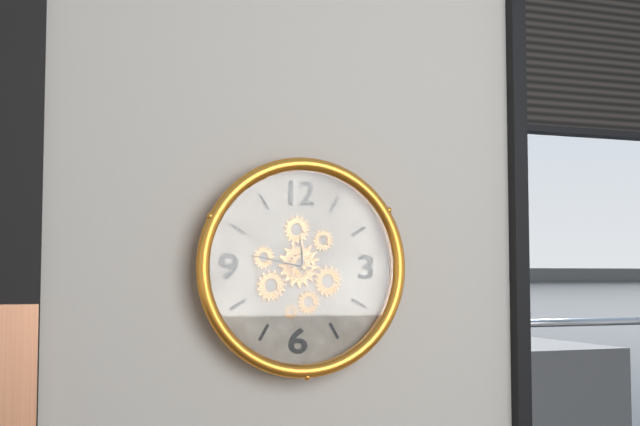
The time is 11:47
